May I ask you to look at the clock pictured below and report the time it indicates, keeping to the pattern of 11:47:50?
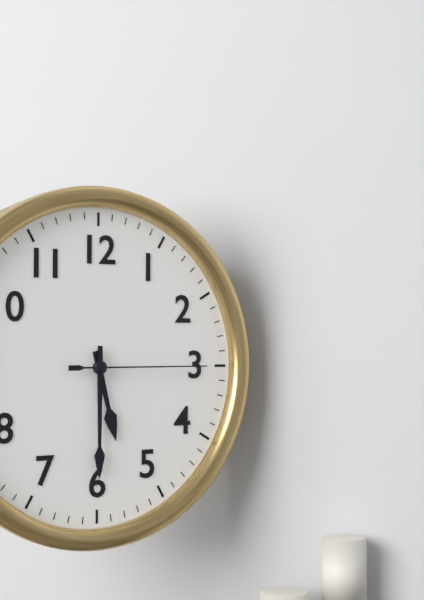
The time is 5:30:15
